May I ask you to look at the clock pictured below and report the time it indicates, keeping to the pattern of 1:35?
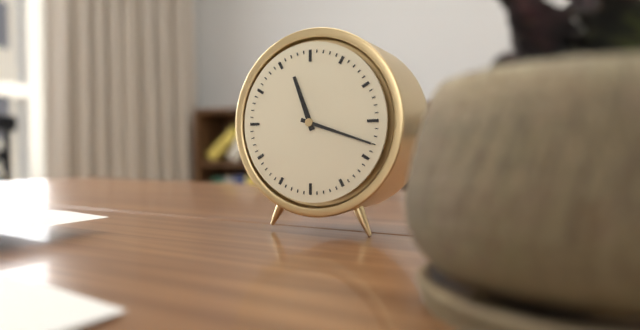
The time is 11:18
